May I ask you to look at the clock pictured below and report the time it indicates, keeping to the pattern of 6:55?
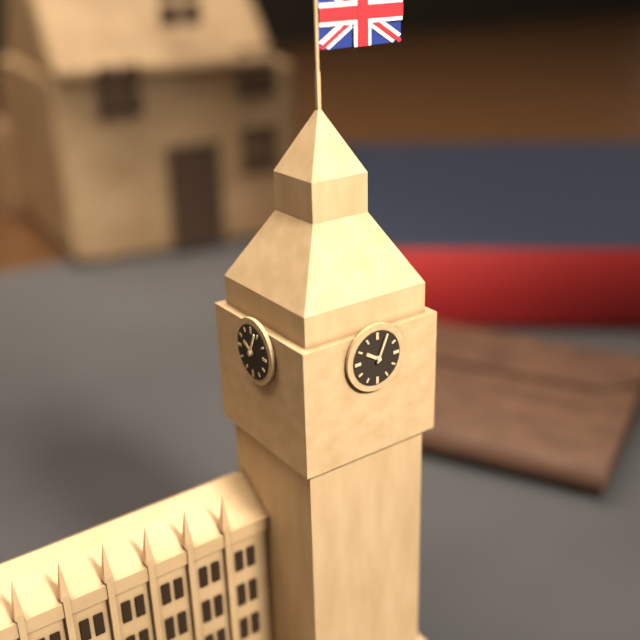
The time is 10:04
